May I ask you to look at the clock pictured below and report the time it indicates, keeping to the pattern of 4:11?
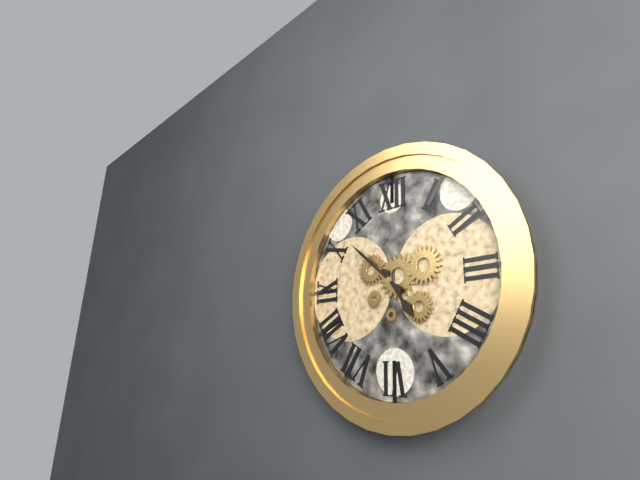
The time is 4:52
